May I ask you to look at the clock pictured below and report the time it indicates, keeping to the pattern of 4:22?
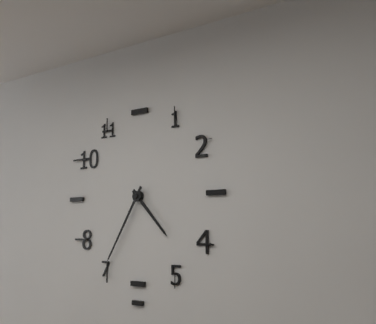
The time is 4:35
